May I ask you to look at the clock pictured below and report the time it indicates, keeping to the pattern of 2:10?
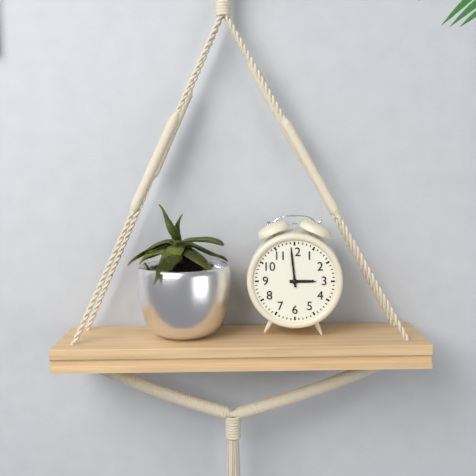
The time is 2:59
